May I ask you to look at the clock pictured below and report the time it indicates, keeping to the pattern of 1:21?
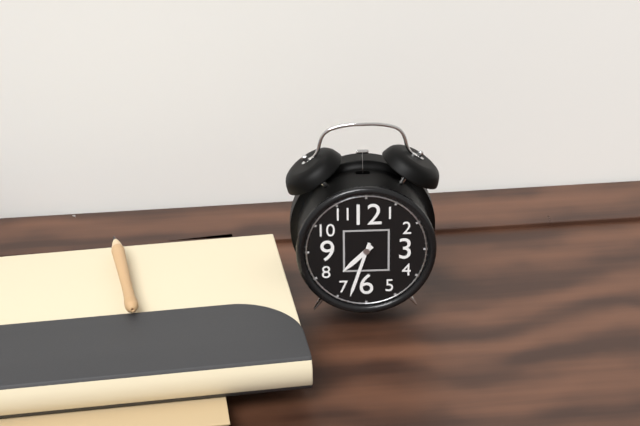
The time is 7:33
